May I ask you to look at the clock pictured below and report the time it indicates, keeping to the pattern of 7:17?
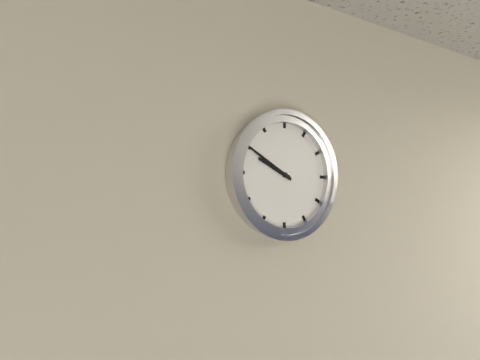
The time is 9:50
